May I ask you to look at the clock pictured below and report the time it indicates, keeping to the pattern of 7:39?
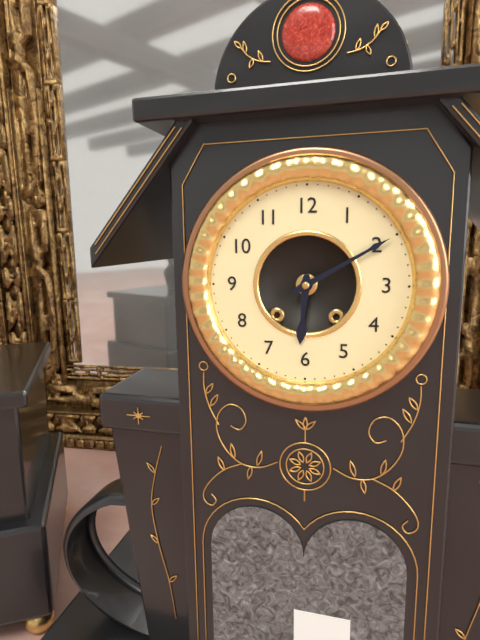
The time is 6:10
